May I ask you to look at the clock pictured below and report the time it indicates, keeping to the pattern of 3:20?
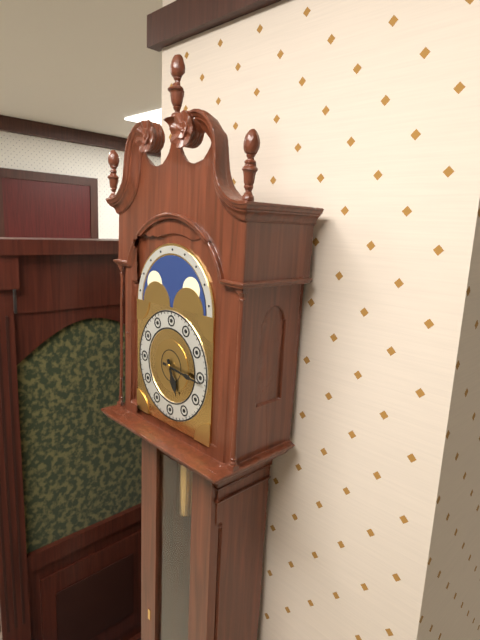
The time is 5:16
